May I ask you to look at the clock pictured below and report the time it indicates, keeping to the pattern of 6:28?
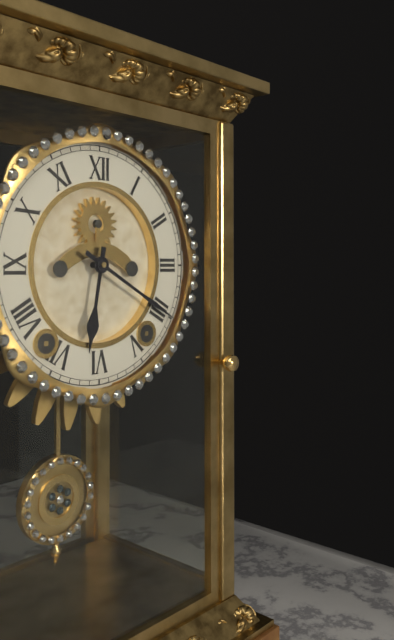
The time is 6:20
